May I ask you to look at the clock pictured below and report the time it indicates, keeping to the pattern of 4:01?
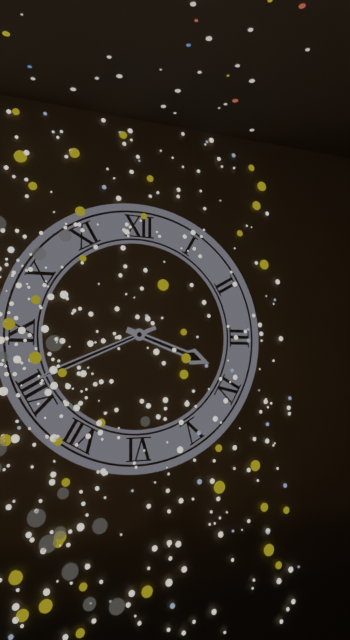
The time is 3:41
